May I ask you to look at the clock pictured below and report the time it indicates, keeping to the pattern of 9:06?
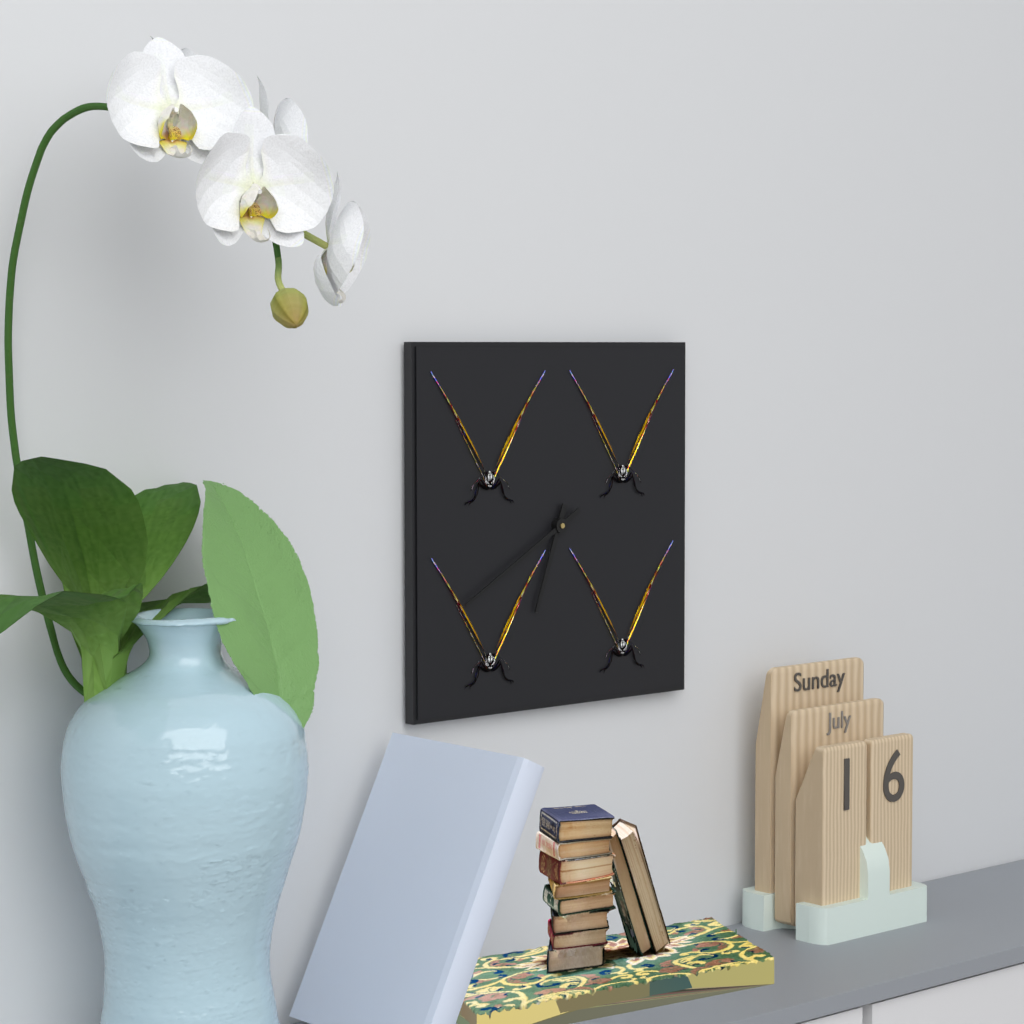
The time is 6:40
